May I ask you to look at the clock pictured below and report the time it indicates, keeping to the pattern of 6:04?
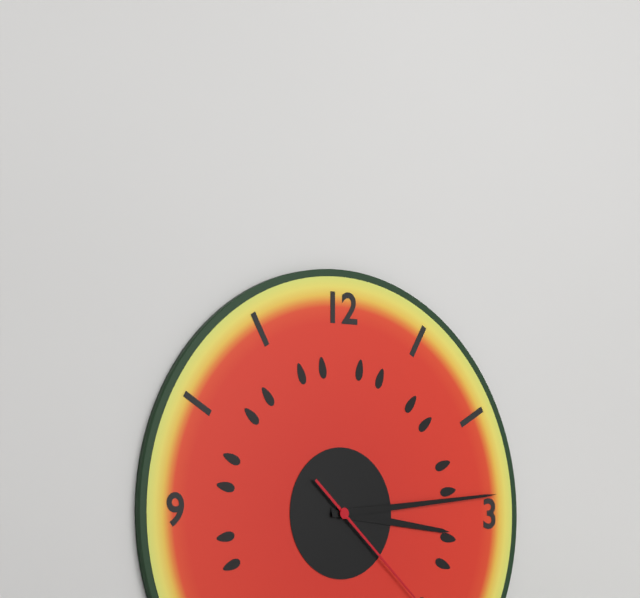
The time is 3:14
